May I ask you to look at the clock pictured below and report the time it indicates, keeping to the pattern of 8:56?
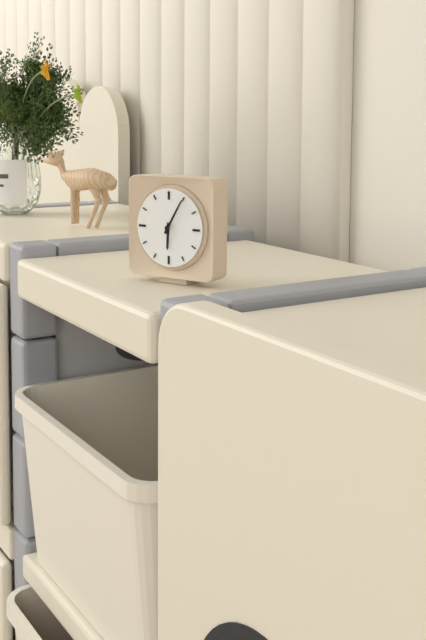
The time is 6:05
